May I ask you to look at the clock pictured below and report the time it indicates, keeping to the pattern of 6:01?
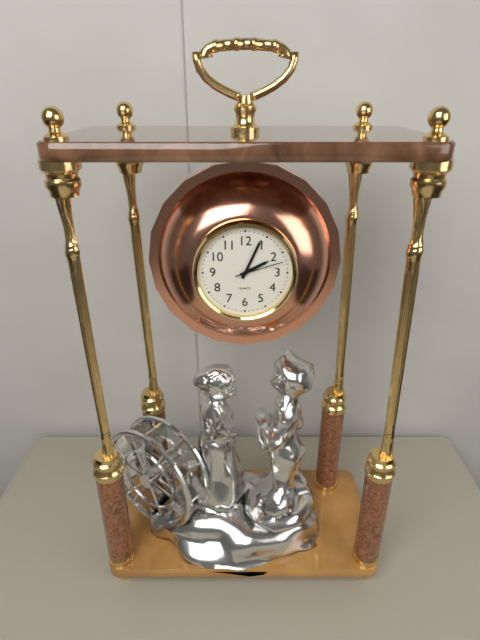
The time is 2:04
